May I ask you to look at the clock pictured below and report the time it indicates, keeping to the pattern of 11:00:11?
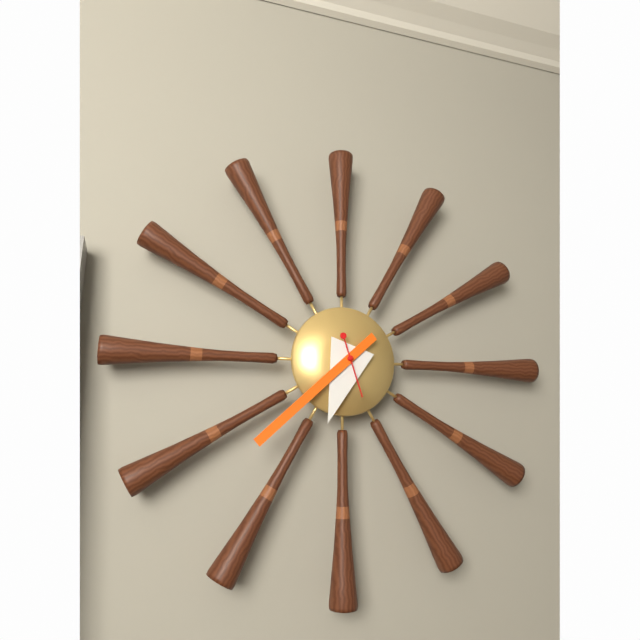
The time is 6:38:27
